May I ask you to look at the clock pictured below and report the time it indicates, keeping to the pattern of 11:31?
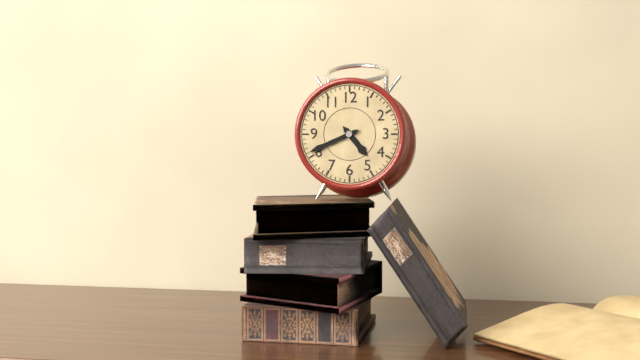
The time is 4:41
